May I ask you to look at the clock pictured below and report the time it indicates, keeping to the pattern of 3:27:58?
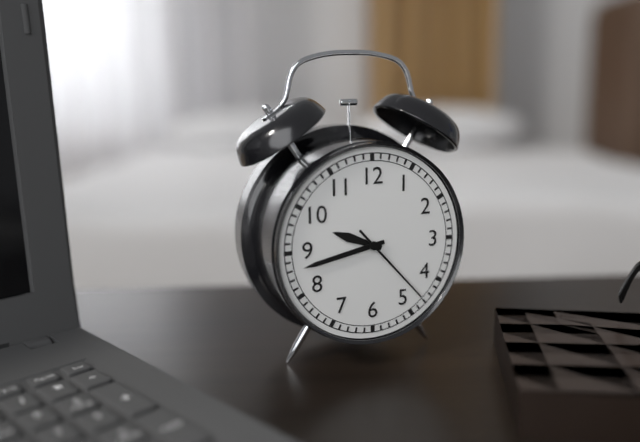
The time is 9:43:23
